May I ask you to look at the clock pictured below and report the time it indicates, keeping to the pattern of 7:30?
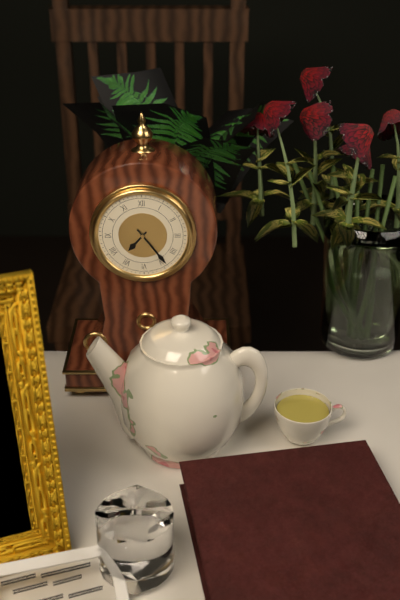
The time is 7:24
